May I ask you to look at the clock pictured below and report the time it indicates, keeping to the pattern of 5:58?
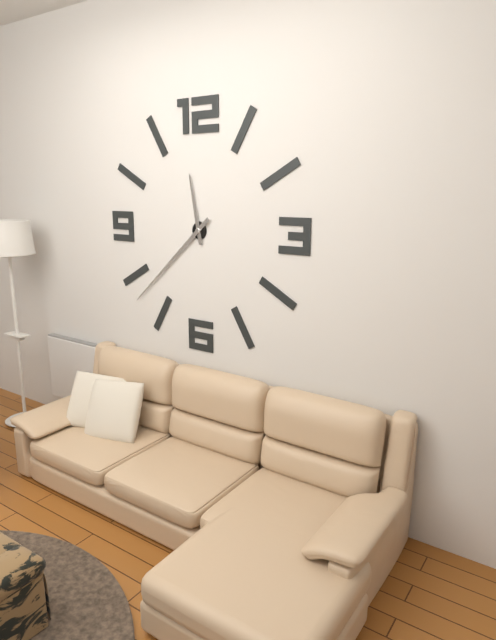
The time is 11:38
